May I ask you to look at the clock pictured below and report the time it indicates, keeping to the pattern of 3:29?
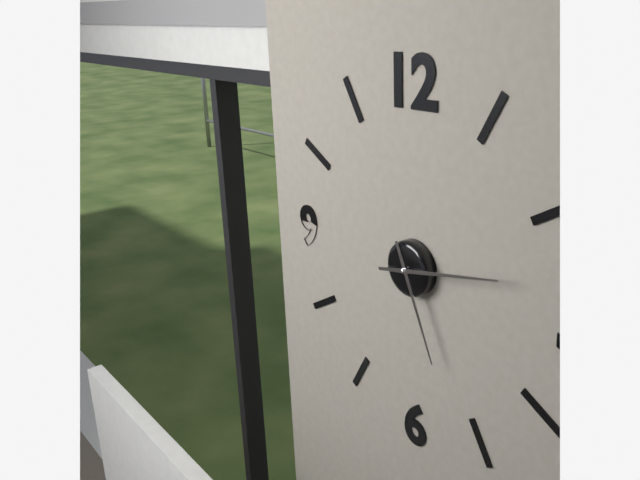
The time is 5:13
